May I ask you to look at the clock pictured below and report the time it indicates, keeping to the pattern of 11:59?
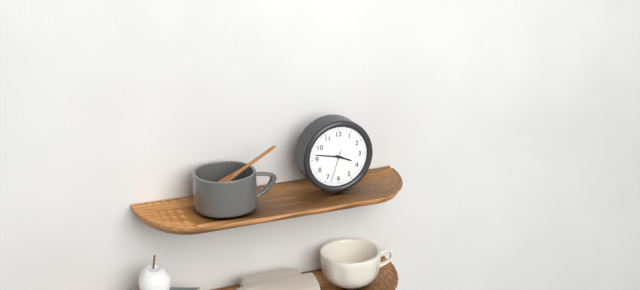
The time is 3:47
